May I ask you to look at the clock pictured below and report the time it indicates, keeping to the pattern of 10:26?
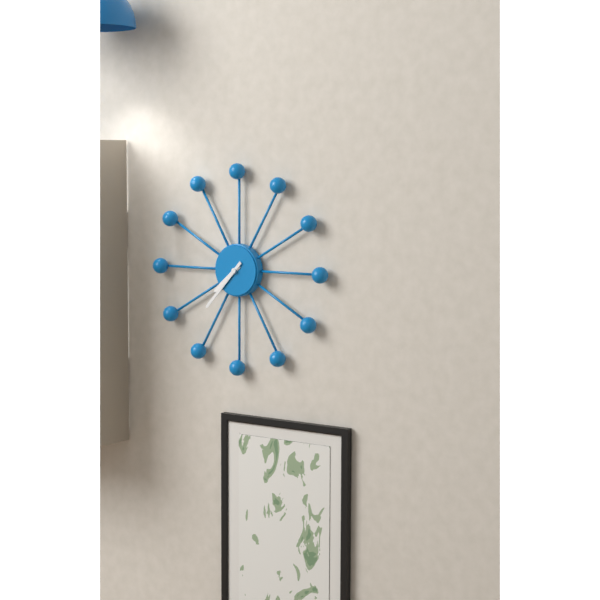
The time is 7:37
